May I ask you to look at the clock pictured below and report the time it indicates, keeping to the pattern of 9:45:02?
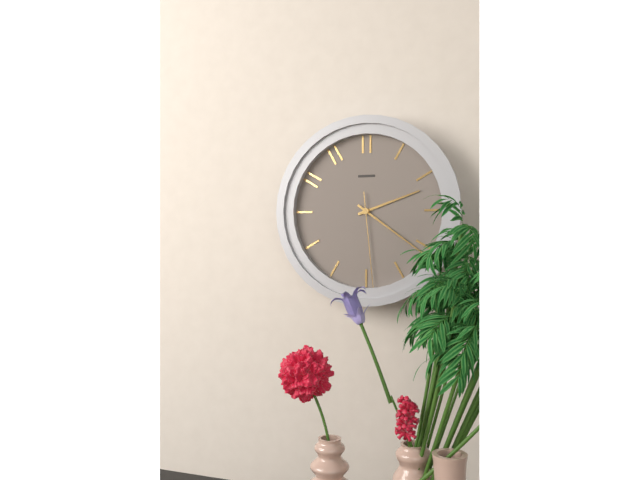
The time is 2:21:29
